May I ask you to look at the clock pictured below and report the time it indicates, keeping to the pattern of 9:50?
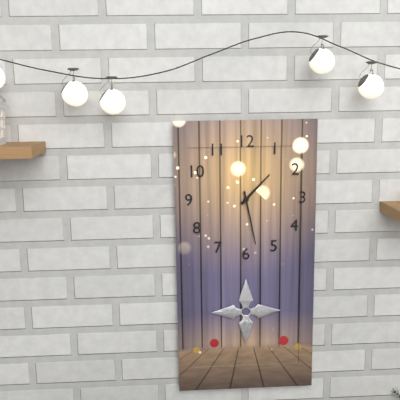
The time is 1:28
